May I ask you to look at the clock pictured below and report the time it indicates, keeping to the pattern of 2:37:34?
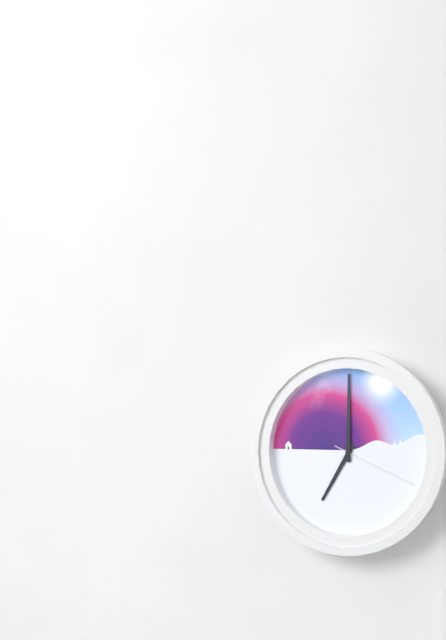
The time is 7:00:19
